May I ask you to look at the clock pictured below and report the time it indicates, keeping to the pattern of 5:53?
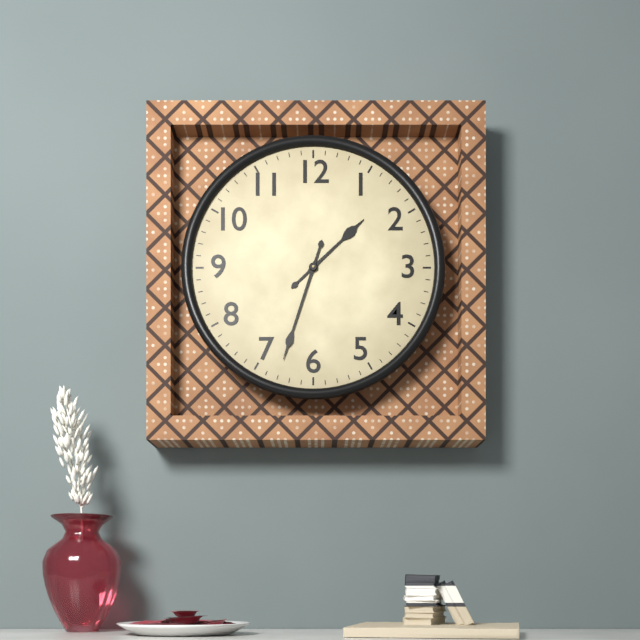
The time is 1:33
